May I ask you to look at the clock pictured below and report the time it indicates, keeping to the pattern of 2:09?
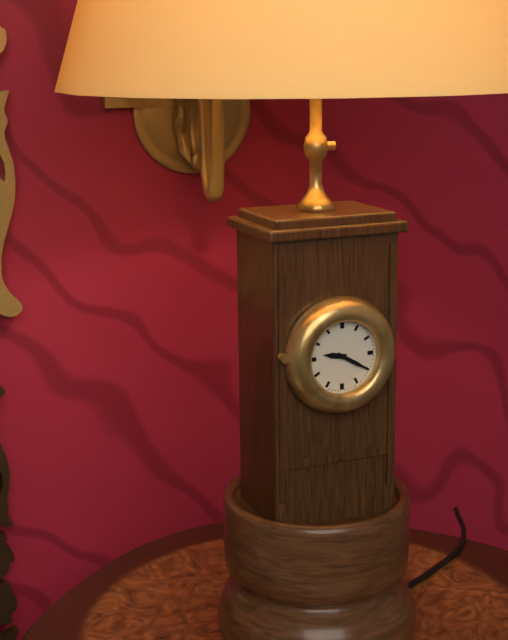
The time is 9:20
